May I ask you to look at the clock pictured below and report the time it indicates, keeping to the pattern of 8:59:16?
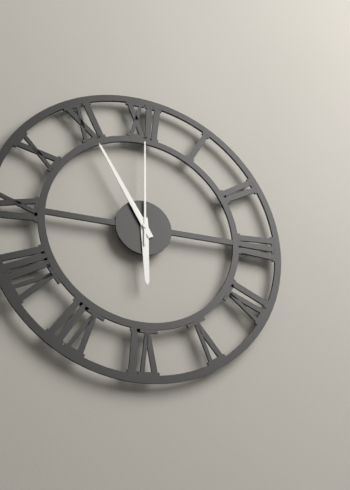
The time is 5:55:00
